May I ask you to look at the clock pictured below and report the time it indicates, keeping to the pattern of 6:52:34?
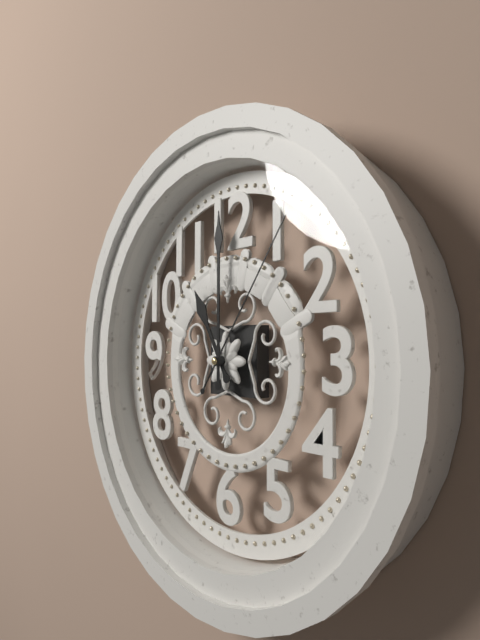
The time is 11:00:06
